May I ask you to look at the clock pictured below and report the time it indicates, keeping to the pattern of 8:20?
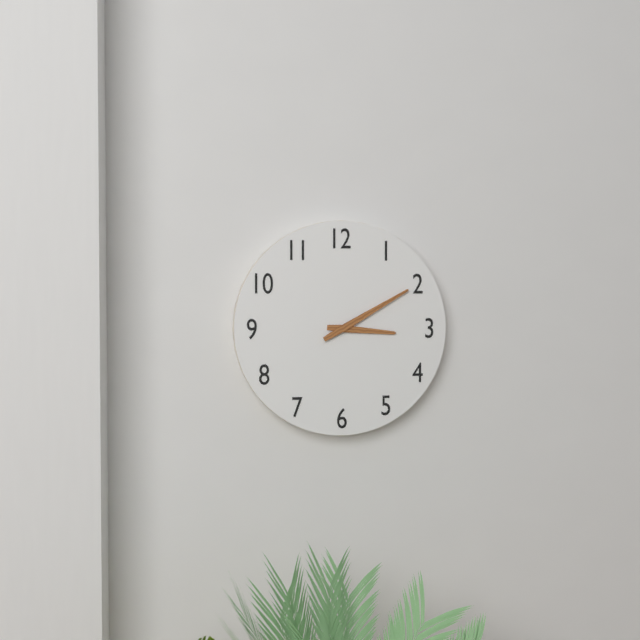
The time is 3:10
